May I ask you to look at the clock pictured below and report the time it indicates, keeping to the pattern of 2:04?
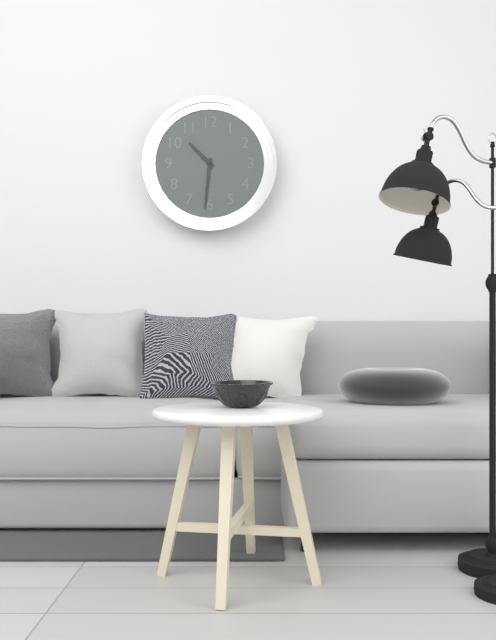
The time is 10:31
